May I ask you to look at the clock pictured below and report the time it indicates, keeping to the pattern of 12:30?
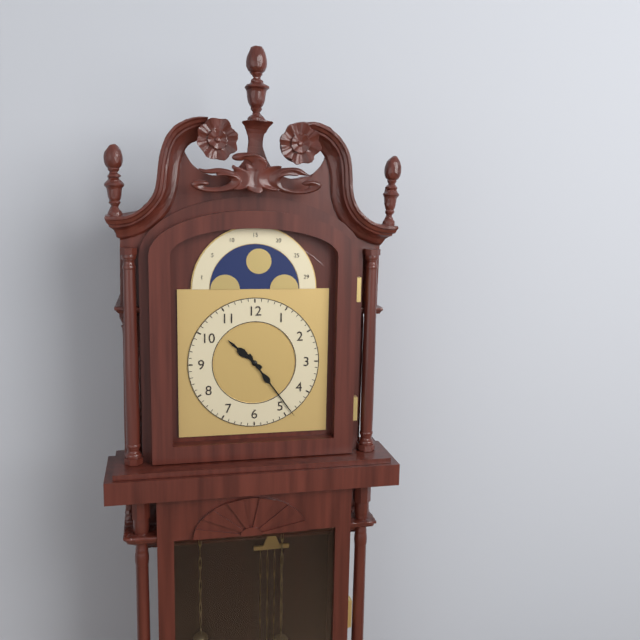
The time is 10:24
